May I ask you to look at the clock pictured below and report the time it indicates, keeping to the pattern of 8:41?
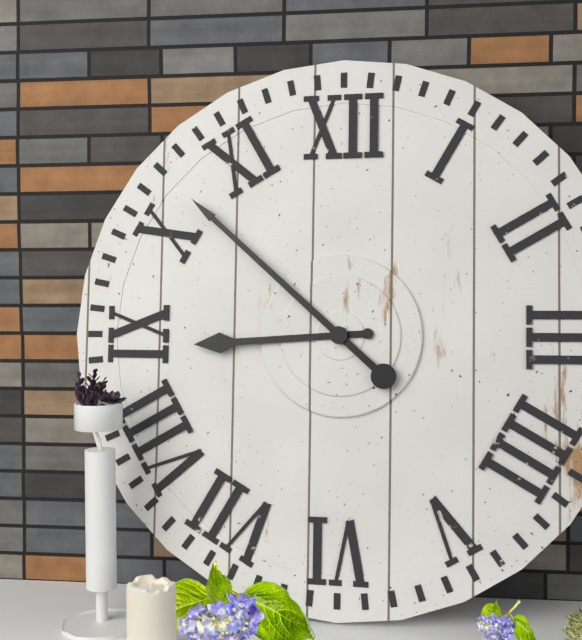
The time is 8:52
